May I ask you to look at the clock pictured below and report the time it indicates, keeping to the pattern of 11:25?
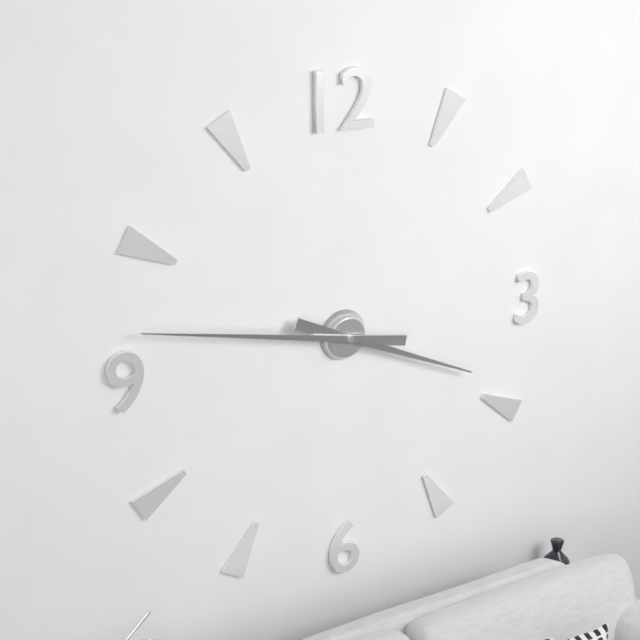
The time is 3:47
